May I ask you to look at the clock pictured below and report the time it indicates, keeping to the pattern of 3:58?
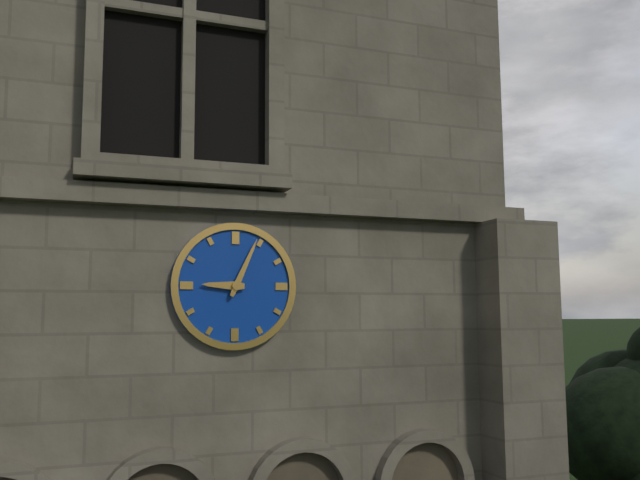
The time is 9:04
